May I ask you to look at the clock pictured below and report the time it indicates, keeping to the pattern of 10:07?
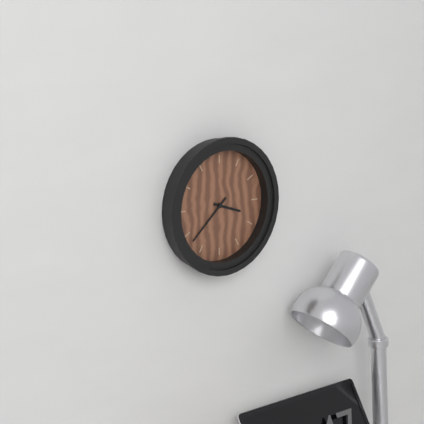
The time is 3:38
